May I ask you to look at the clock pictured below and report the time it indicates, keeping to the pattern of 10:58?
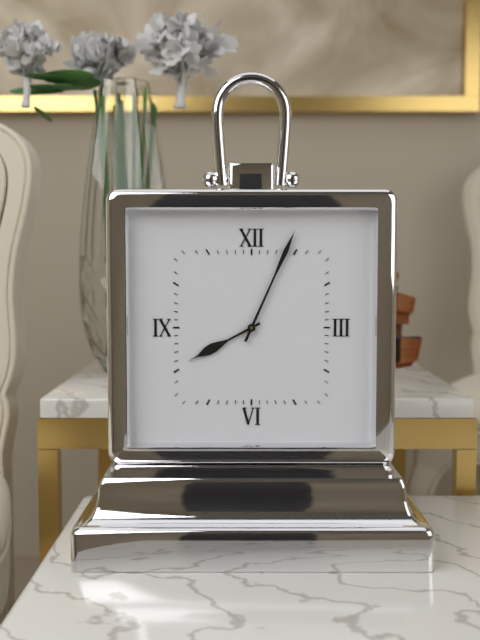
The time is 8:04
